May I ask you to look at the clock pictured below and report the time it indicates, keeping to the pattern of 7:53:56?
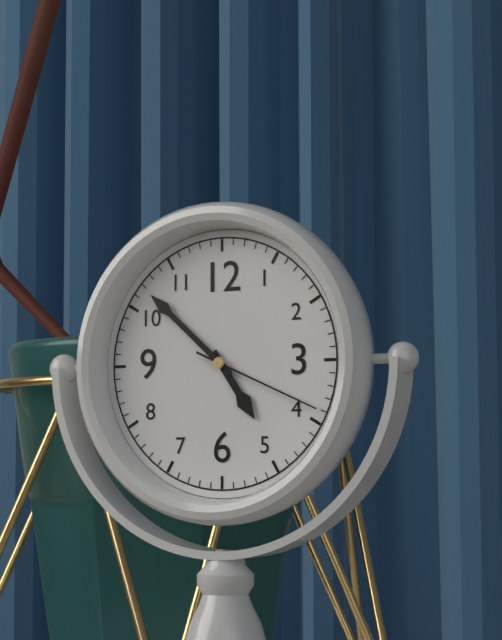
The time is 4:52:19
